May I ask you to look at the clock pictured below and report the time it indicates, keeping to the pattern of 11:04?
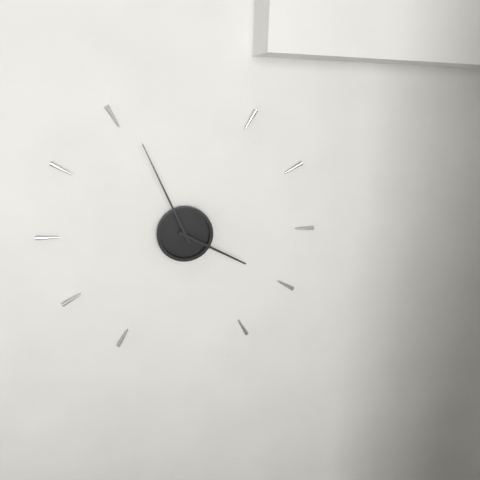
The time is 3:56
